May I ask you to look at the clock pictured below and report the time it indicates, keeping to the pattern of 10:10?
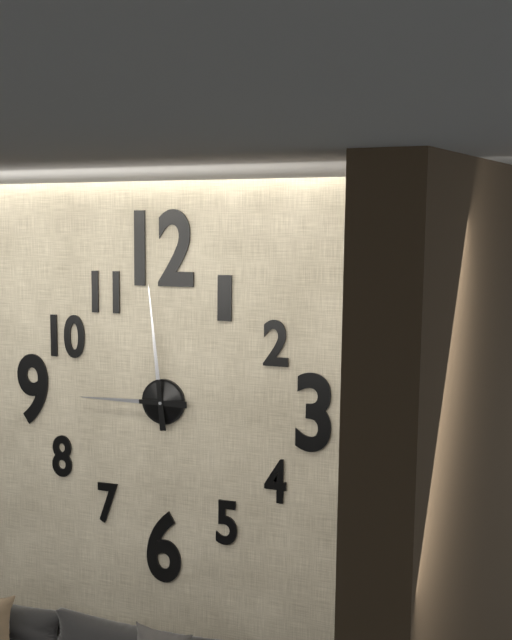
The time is 8:59
